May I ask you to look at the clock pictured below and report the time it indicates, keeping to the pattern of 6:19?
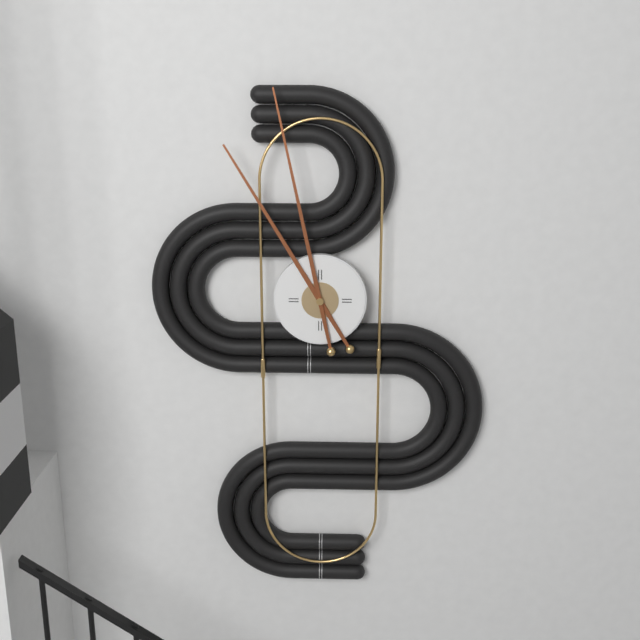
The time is 10:58
